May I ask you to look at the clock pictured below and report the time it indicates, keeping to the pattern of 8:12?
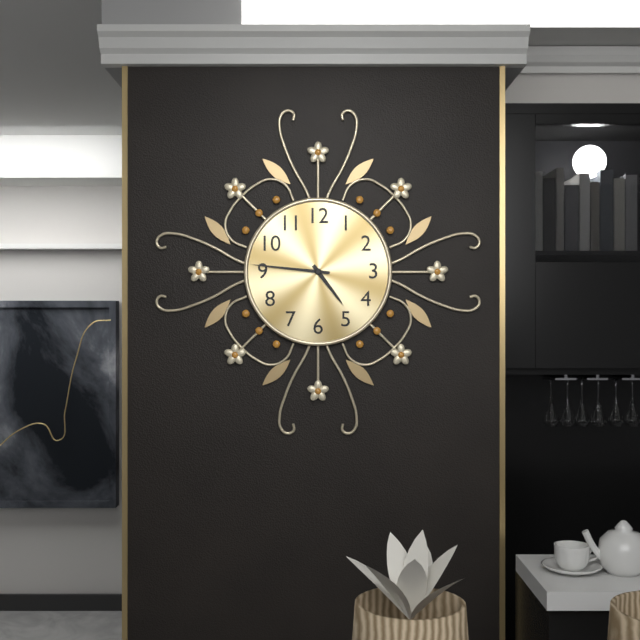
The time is 4:46
